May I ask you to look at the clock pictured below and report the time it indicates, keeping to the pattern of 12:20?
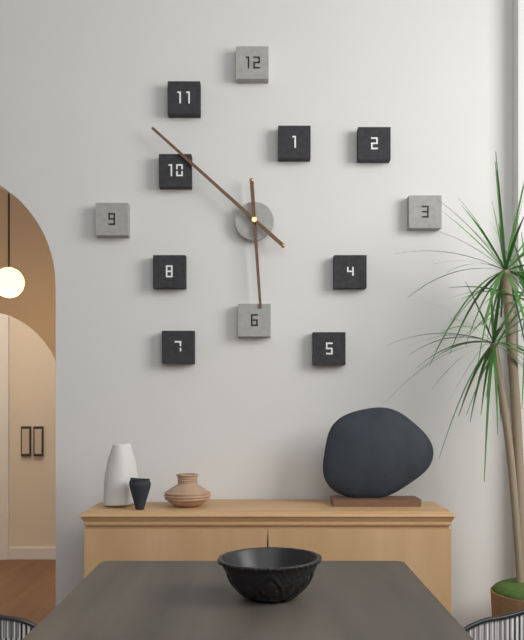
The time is 5:52
